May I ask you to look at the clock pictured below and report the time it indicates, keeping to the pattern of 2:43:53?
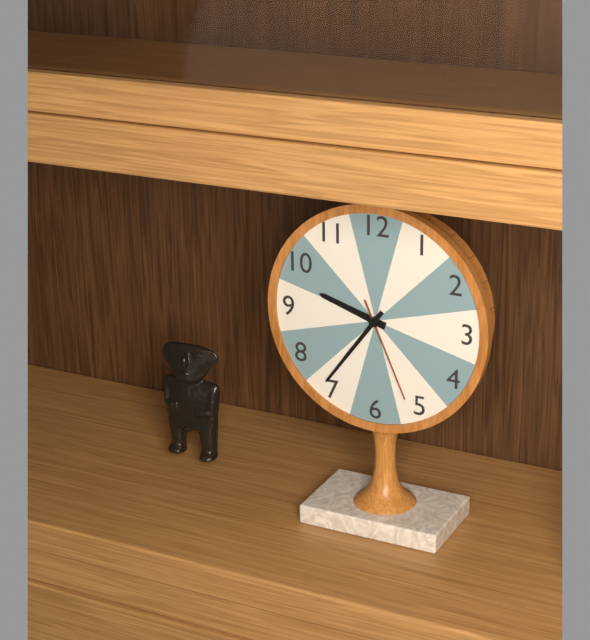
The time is 9:36:26
